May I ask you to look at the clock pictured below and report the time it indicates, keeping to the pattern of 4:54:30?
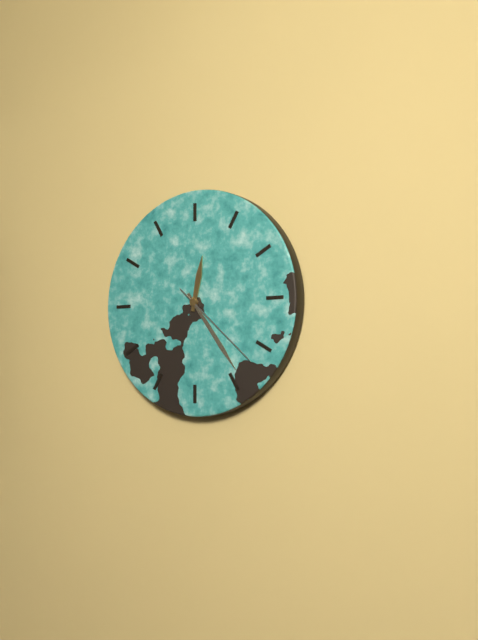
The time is 12:24:22
